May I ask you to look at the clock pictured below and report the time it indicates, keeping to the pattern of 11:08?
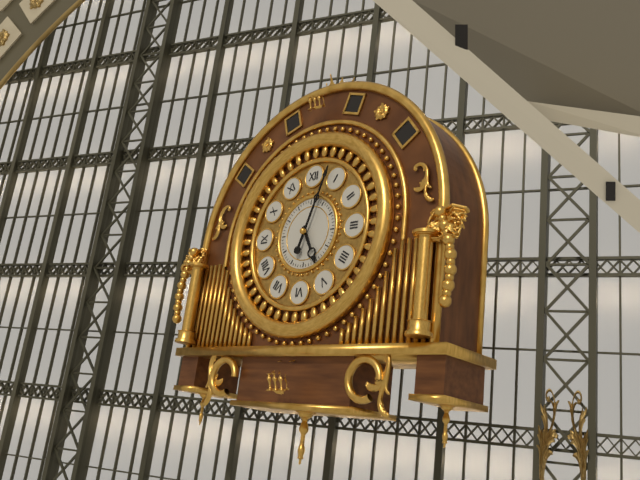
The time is 5:03
